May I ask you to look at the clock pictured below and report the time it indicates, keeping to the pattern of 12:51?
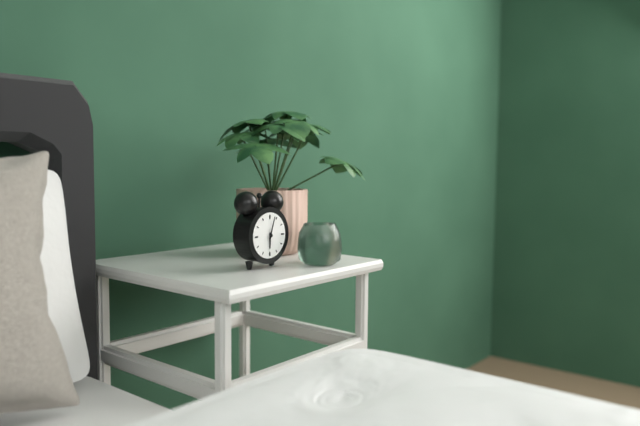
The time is 6:03
